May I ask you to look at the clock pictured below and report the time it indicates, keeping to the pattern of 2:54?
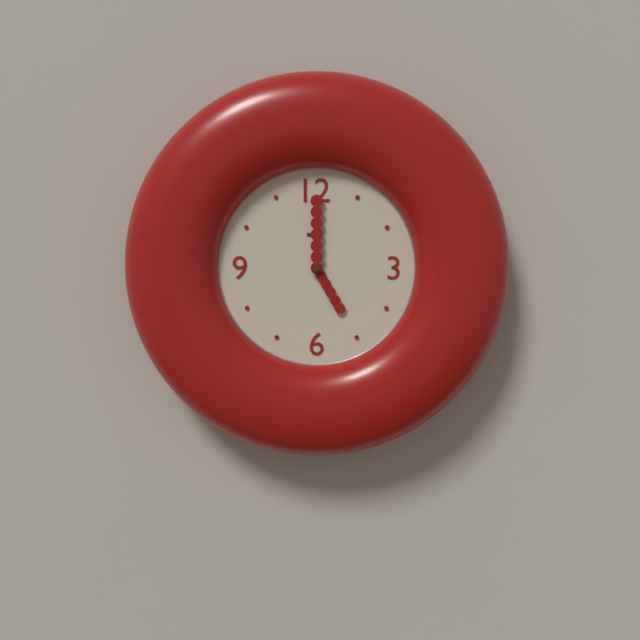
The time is 5:00
